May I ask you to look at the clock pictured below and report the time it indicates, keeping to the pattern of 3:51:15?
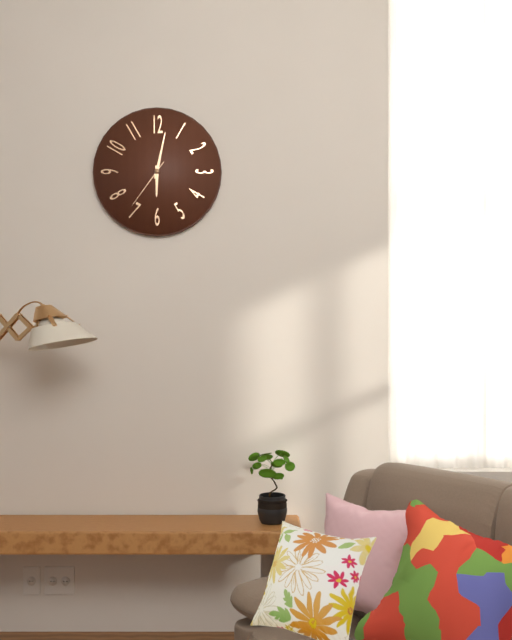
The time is 6:02:36
